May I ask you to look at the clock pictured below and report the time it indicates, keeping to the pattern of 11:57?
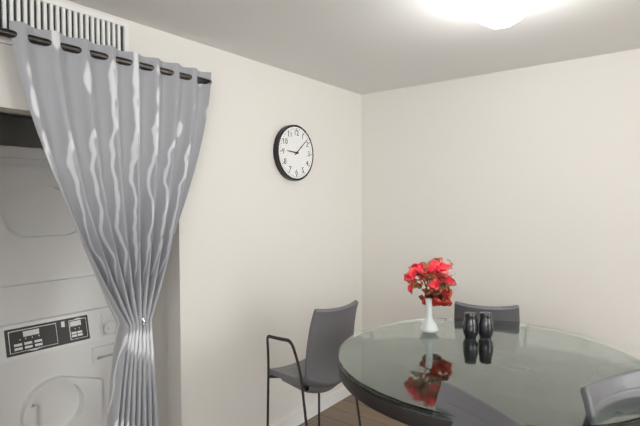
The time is 9:08
